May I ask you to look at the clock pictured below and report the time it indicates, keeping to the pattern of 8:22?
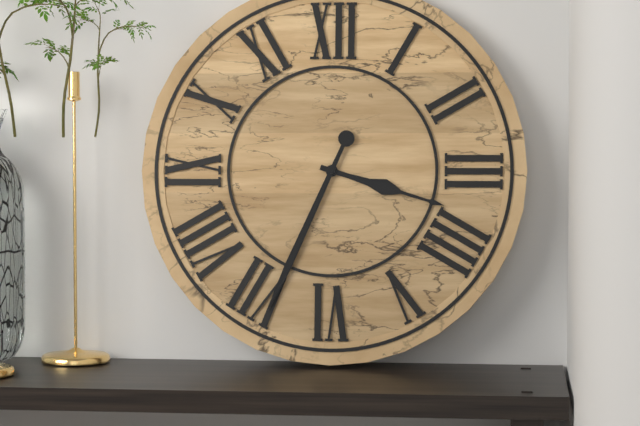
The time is 3:34
